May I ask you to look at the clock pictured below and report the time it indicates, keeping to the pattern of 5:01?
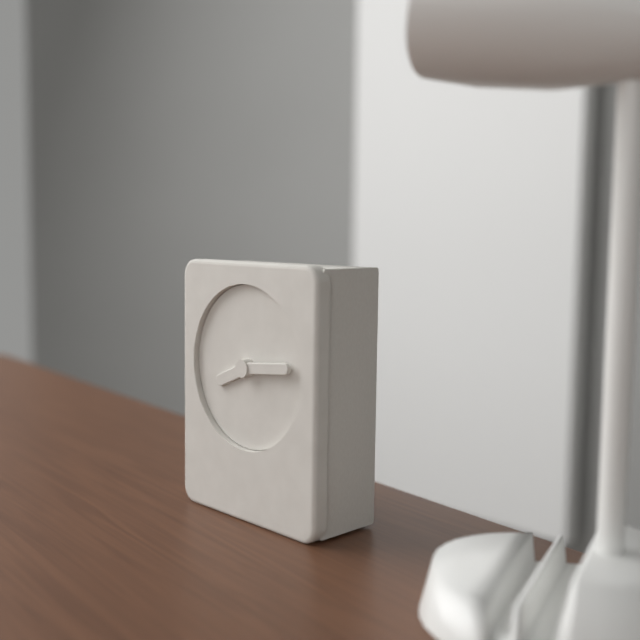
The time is 8:14
